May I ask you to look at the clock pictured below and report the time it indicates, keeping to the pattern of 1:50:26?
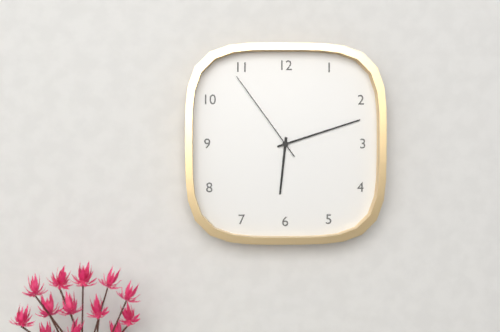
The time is 6:12:54
